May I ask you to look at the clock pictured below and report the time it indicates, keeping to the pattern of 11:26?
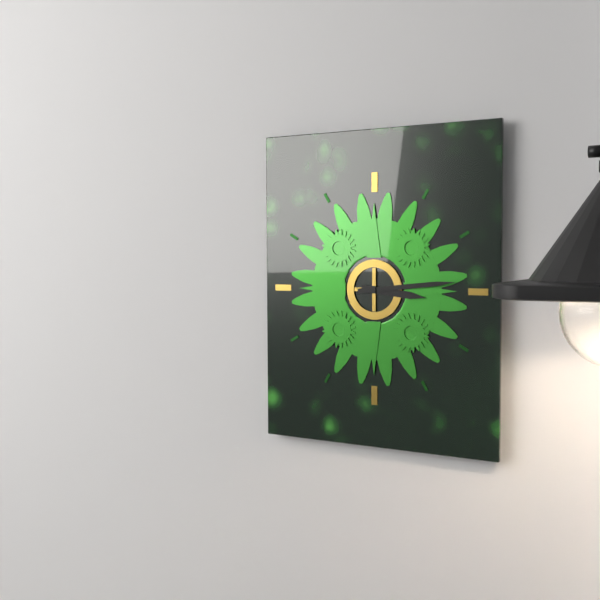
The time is 3:14
